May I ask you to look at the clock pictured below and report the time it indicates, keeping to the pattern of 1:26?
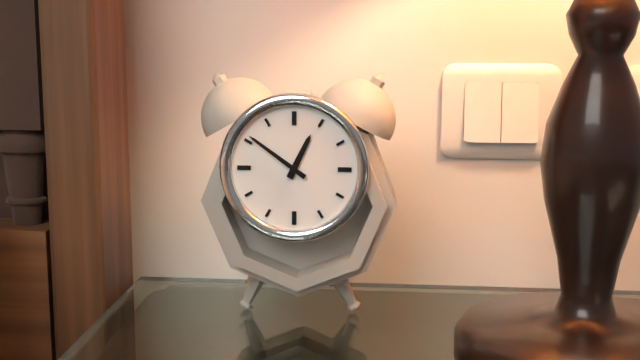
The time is 12:51
